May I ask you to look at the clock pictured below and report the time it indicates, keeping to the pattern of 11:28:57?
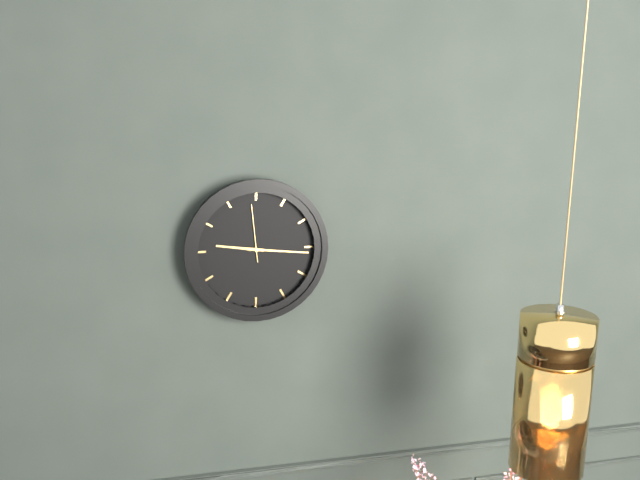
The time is 9:16:59
